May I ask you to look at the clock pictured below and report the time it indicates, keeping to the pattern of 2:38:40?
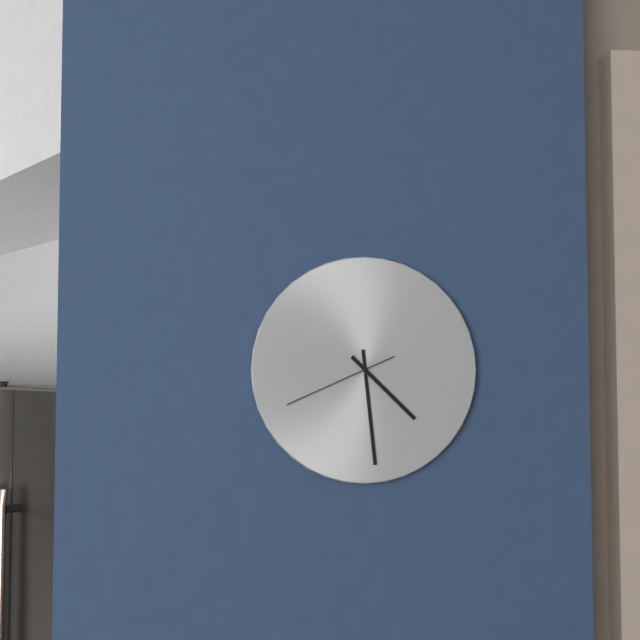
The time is 4:29:41
